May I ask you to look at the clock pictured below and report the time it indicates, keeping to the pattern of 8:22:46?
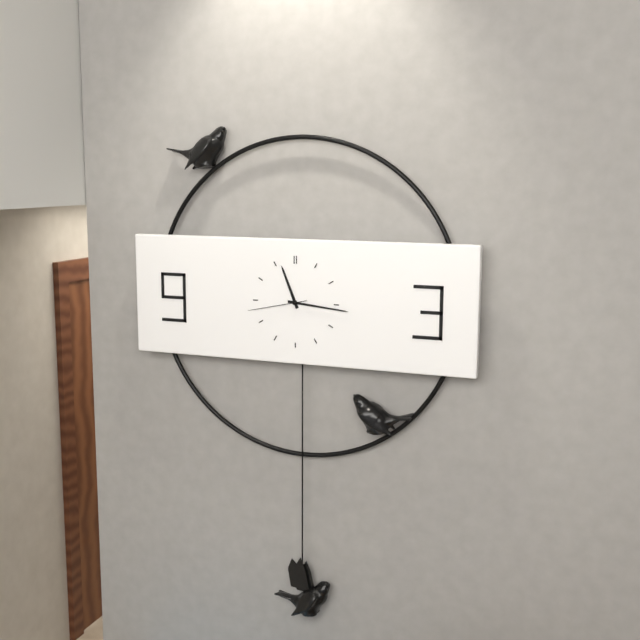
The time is 11:16:43
